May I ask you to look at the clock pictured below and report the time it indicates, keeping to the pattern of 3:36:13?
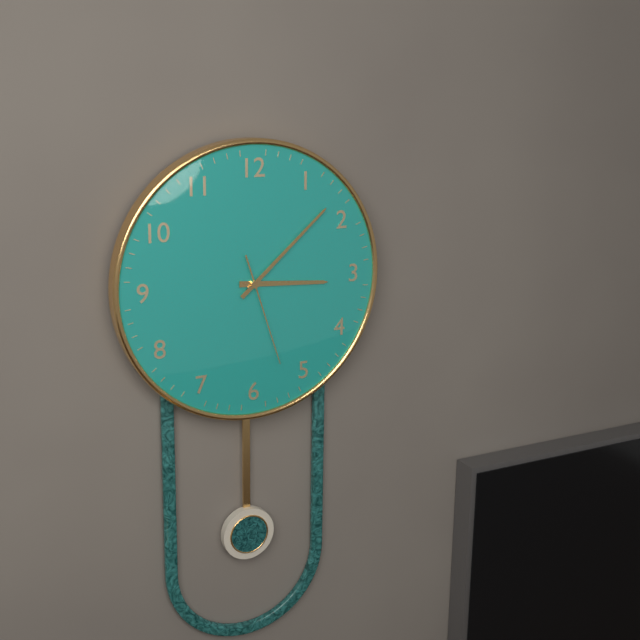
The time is 3:08:27
